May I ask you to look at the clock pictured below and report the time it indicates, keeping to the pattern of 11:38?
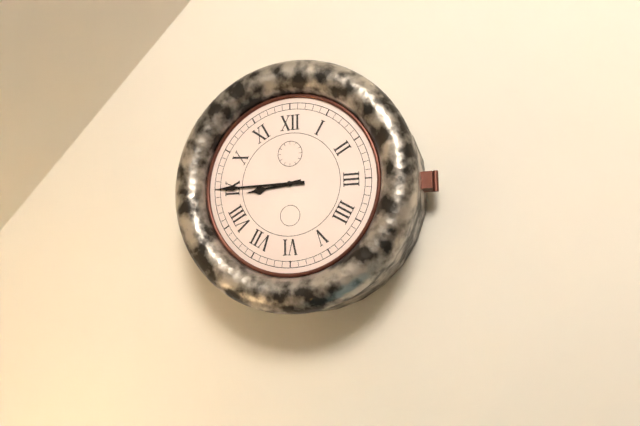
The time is 8:45
